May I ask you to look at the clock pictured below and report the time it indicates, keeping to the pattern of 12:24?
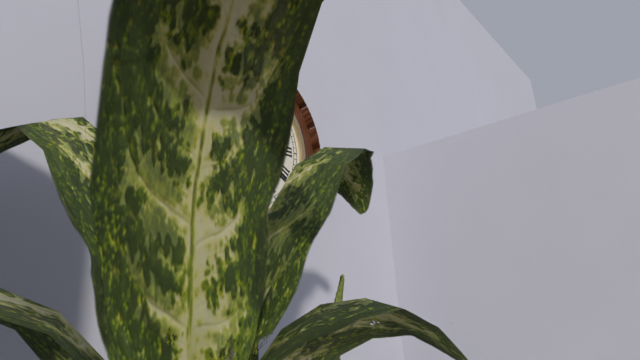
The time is 12:21
